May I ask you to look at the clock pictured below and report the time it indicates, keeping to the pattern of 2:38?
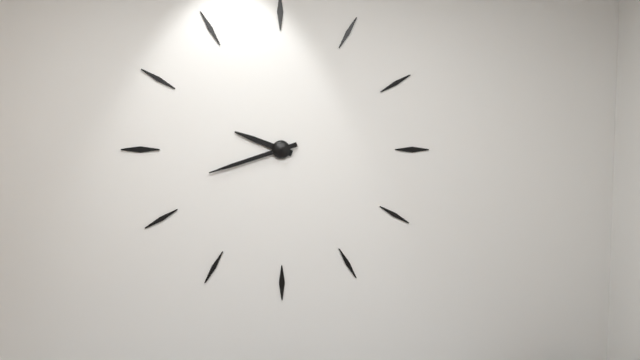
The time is 9:42
